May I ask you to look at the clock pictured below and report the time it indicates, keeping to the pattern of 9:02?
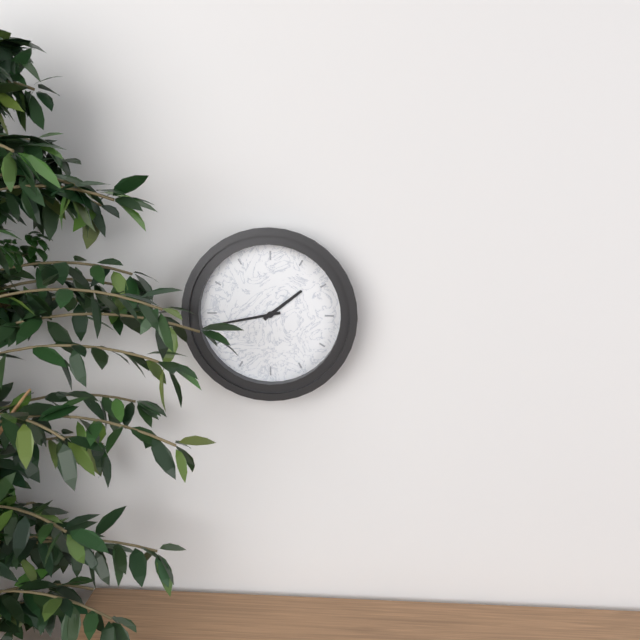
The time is 1:43
